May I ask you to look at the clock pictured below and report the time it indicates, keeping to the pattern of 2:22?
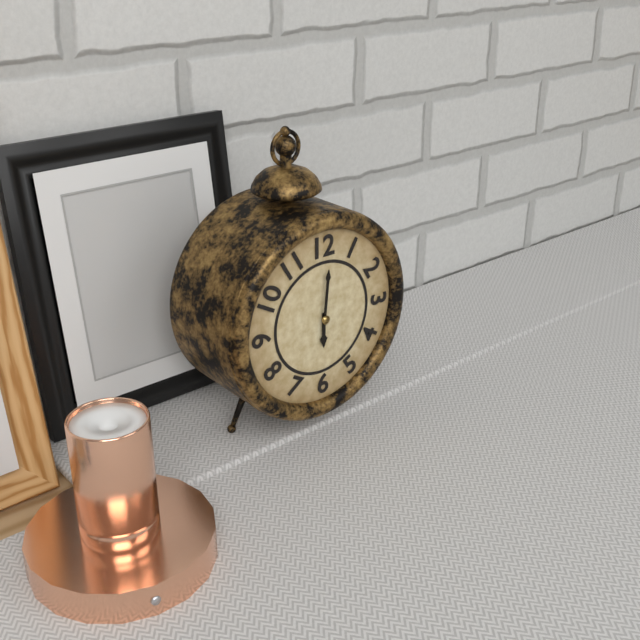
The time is 6:01
